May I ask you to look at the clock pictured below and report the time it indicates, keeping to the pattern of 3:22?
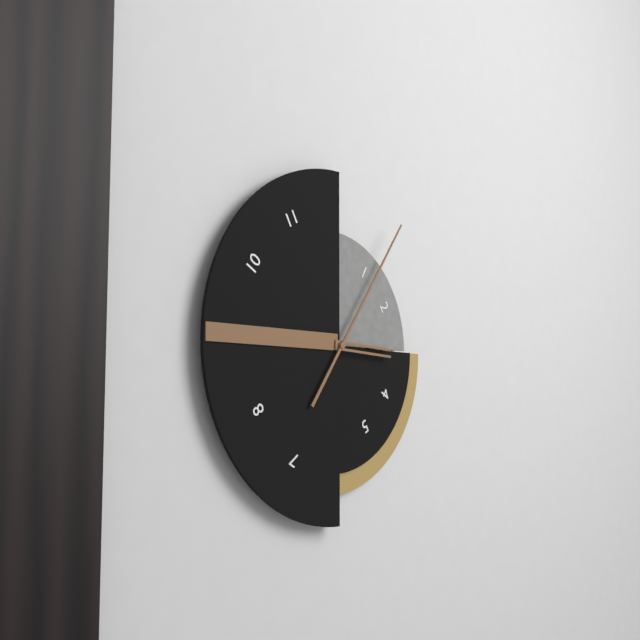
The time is 3:06
